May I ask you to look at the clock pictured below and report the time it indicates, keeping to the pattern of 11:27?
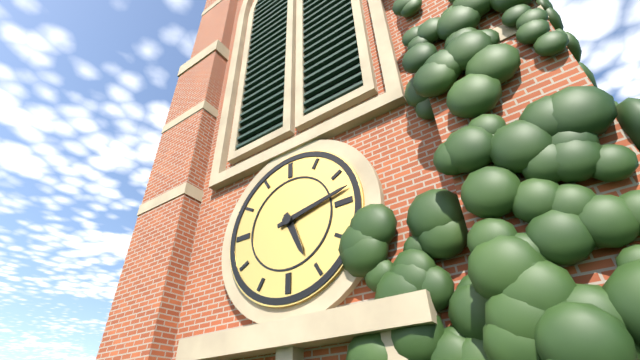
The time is 5:13
